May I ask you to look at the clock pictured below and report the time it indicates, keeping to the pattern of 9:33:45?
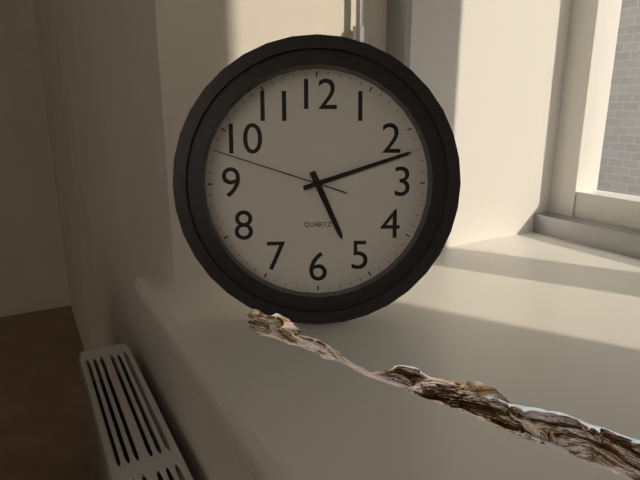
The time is 5:12:48
